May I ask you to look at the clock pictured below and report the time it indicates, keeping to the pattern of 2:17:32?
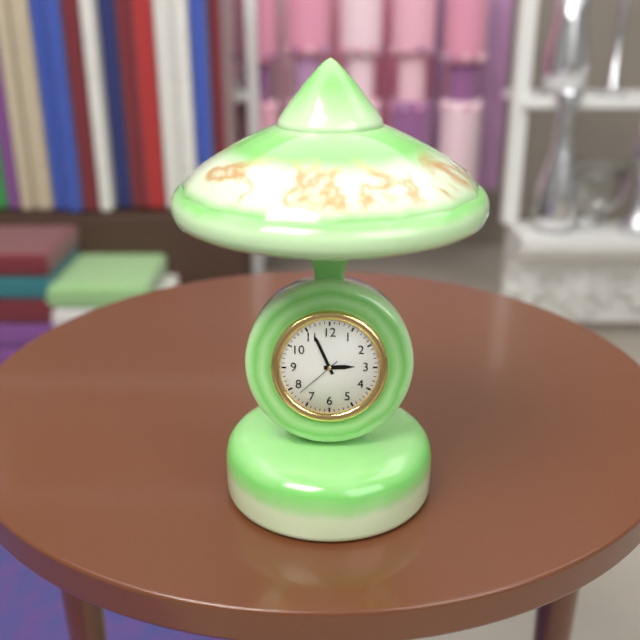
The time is 2:56:38
